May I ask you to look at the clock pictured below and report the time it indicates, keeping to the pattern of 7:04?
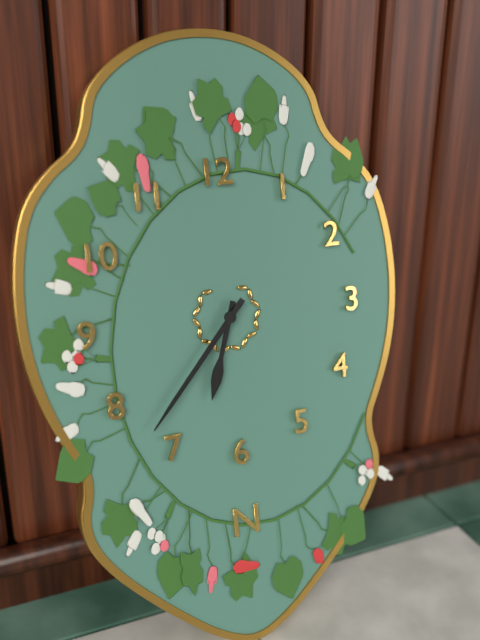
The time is 6:37
